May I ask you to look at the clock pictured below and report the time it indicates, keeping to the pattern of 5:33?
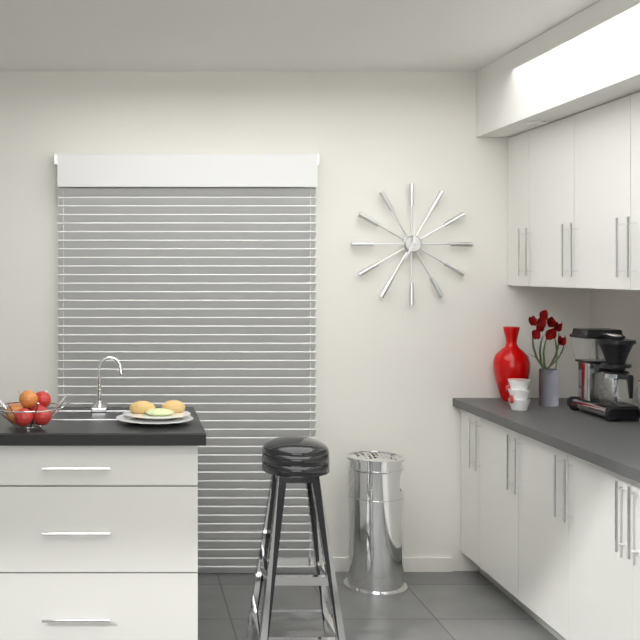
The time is 7:00
